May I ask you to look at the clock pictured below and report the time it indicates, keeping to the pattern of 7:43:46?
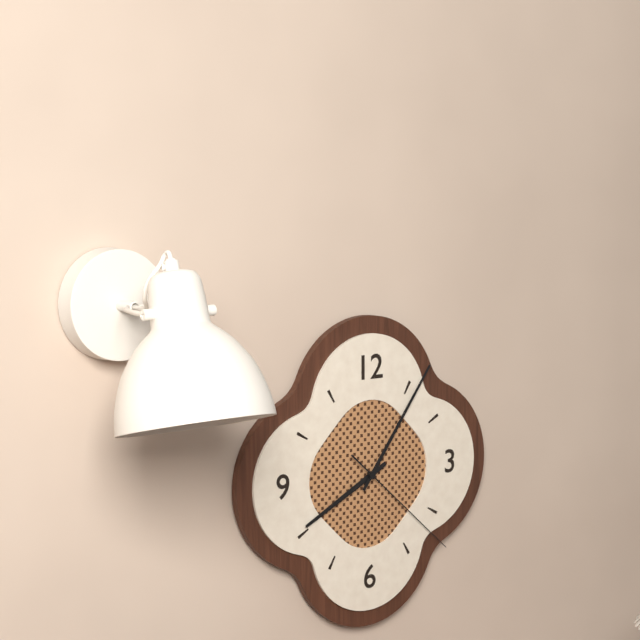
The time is 8:06:22
